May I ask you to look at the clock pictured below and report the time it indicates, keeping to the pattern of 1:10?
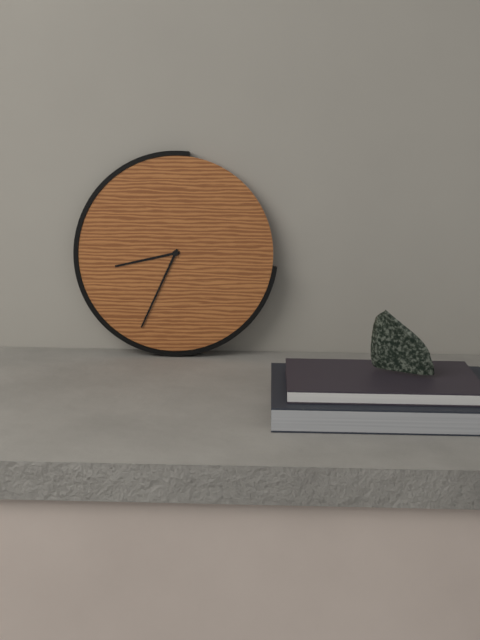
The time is 8:34
